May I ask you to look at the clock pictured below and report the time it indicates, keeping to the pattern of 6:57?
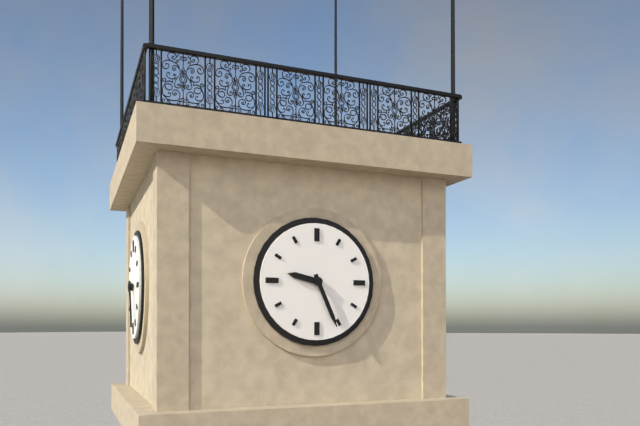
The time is 9:26
